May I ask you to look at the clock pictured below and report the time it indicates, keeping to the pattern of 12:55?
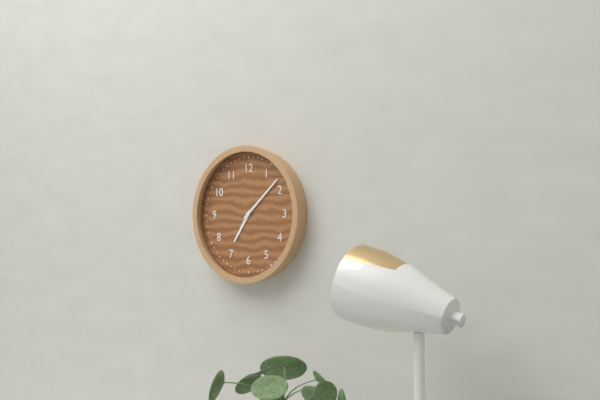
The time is 7:08
